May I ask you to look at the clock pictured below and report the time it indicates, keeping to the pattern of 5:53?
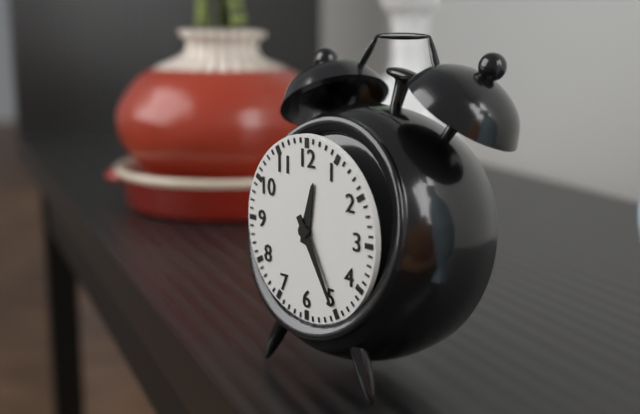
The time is 12:25
